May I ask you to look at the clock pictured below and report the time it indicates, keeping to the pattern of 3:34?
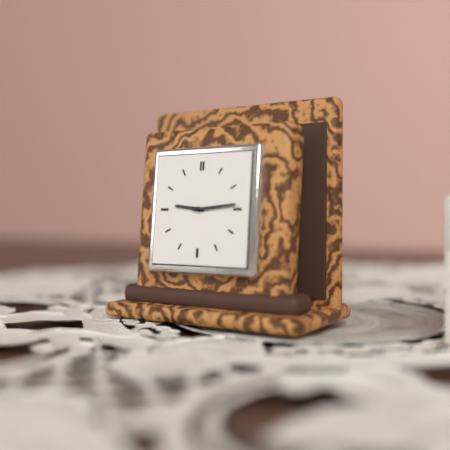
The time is 9:14
